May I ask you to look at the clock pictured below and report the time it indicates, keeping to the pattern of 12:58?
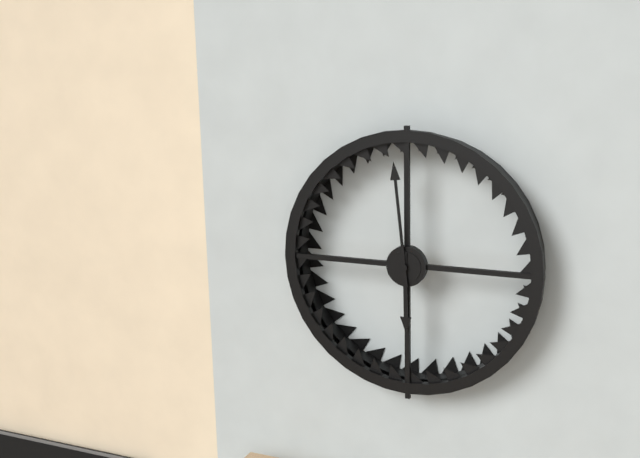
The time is 5:59
